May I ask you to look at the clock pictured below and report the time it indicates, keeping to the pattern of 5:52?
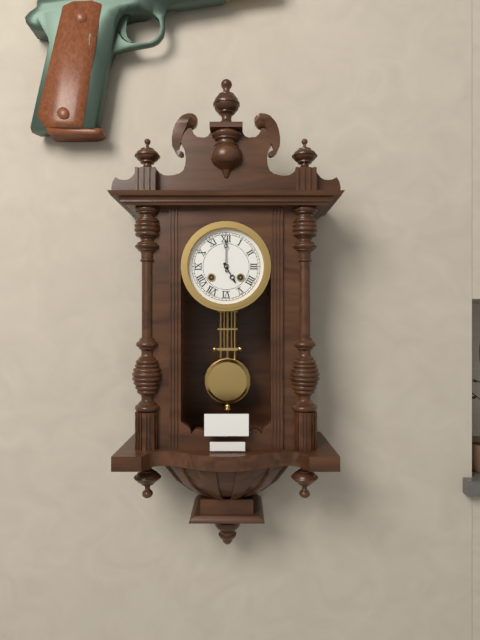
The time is 5:00
